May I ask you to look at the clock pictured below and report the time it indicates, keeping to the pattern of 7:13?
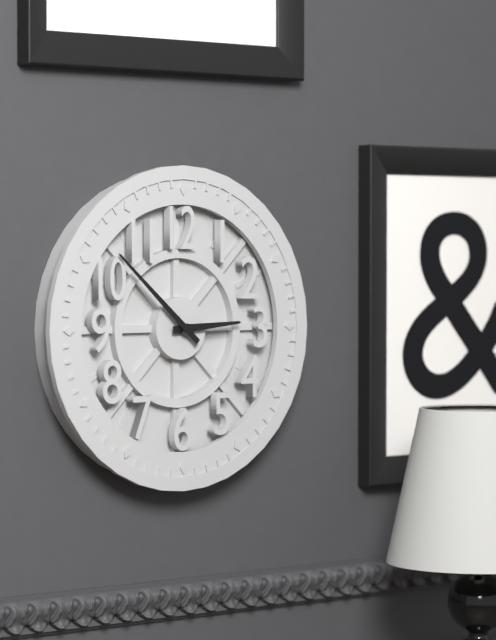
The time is 2:52
